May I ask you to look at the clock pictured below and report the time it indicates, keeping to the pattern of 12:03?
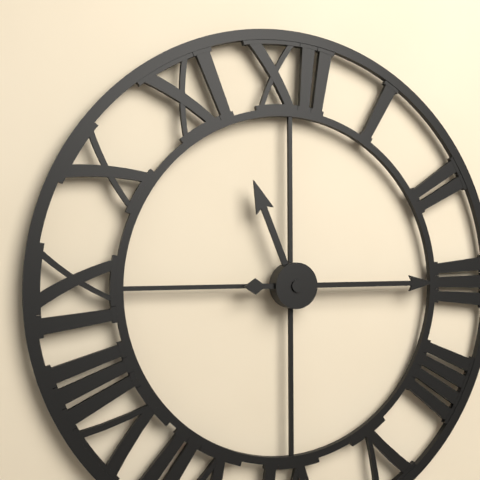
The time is 11:15
